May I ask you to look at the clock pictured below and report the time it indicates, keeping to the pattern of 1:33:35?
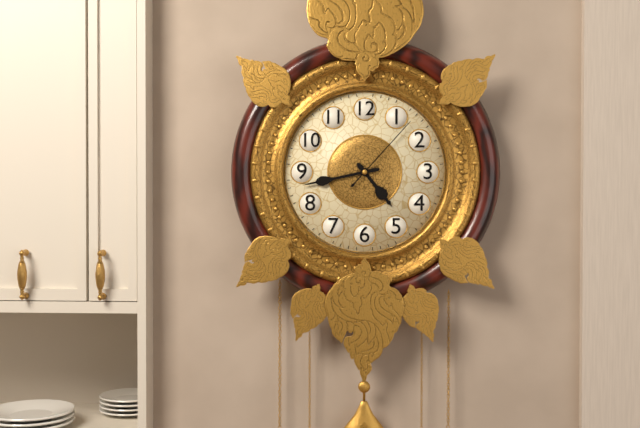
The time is 4:43:07
